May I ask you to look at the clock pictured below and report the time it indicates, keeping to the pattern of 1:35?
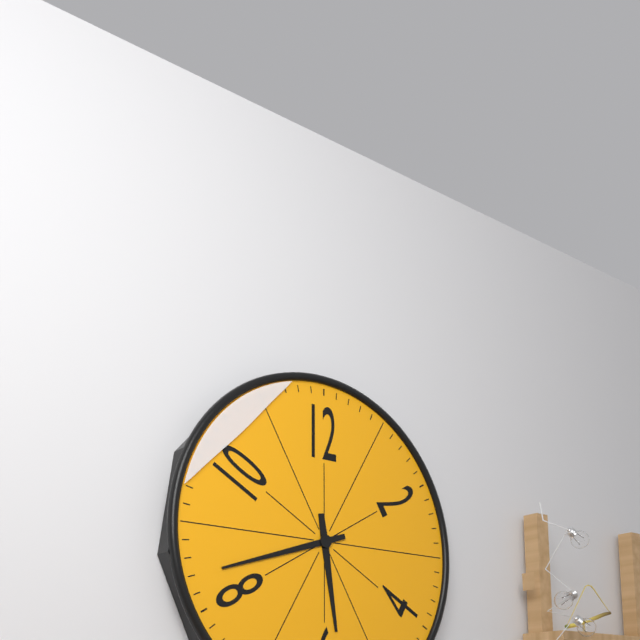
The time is 5:42
